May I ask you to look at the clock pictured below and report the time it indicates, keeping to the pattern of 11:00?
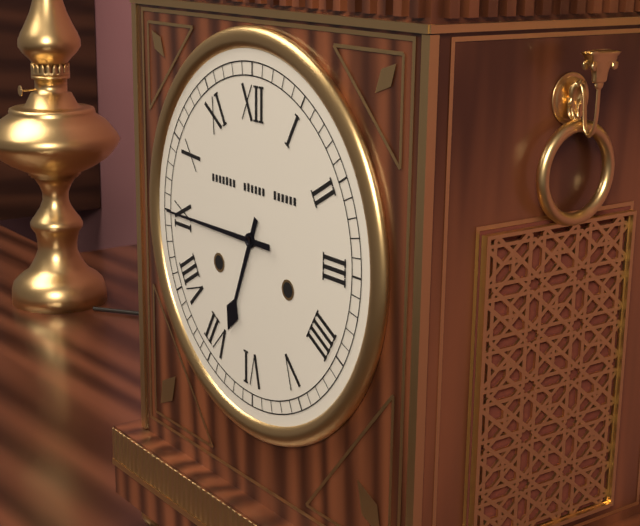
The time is 6:45
